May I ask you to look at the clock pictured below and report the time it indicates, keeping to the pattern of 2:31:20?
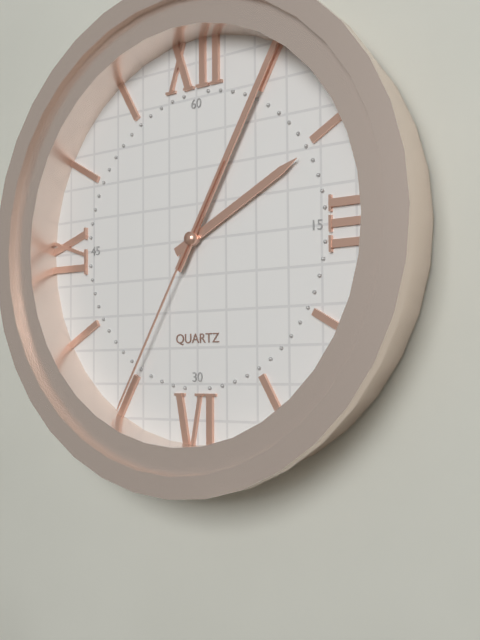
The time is 2:05:35
